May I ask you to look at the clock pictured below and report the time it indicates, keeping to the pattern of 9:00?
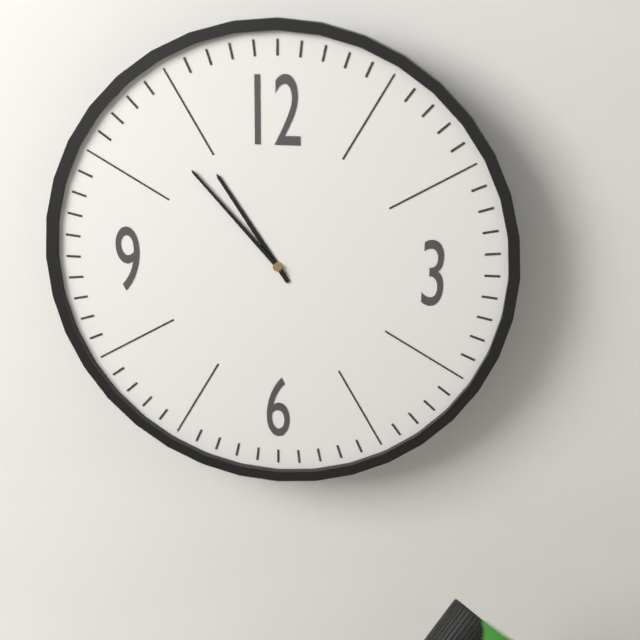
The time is 10:53
